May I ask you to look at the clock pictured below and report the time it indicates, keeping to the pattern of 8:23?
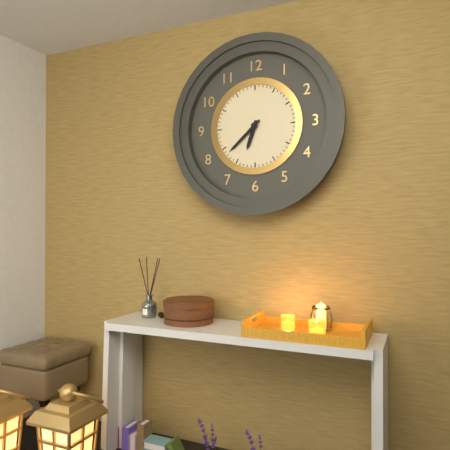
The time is 6:38
